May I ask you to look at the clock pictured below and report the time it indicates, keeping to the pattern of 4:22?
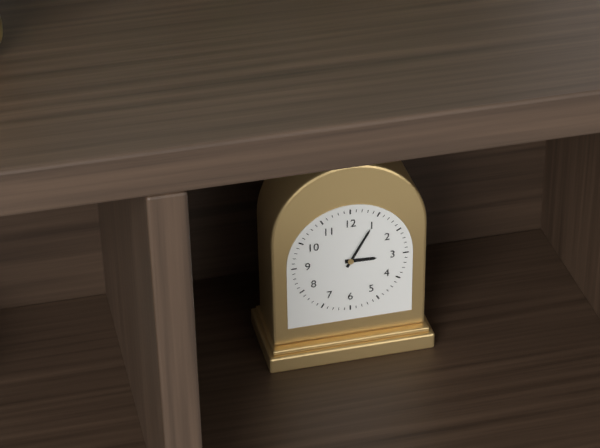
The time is 3:05
